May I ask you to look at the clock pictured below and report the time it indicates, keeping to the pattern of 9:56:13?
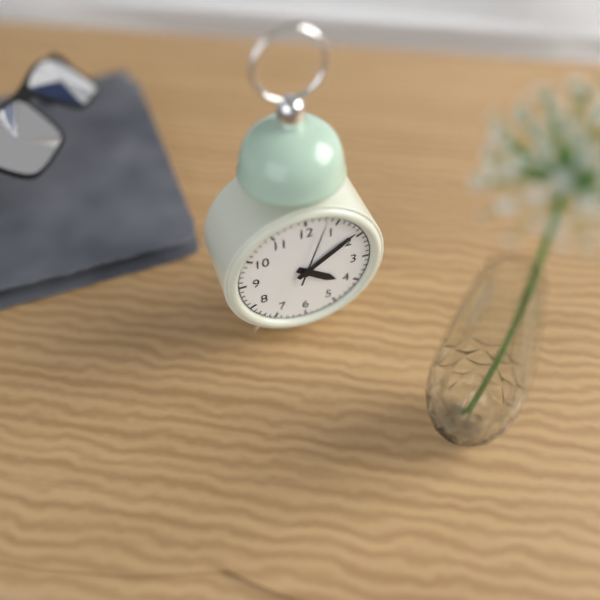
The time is 4:09:03
